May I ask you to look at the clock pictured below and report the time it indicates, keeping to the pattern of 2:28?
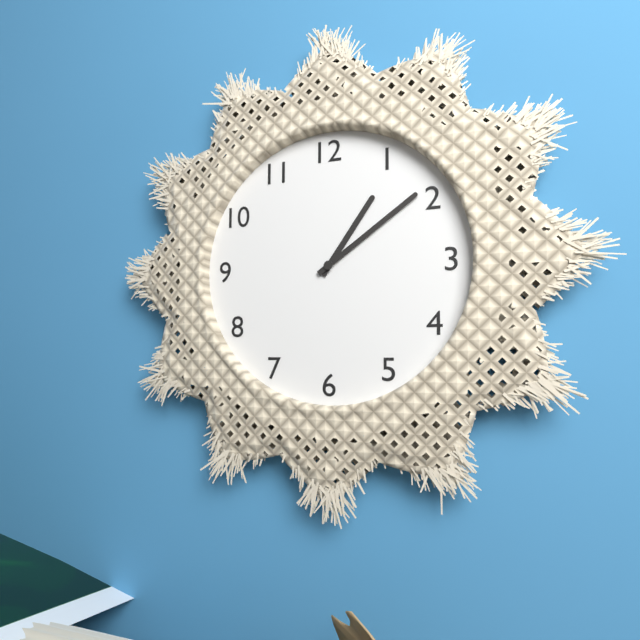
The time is 1:09
